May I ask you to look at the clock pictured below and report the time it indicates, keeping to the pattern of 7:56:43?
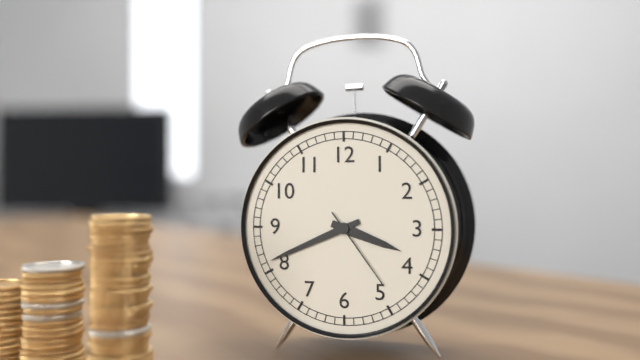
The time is 3:41:24
